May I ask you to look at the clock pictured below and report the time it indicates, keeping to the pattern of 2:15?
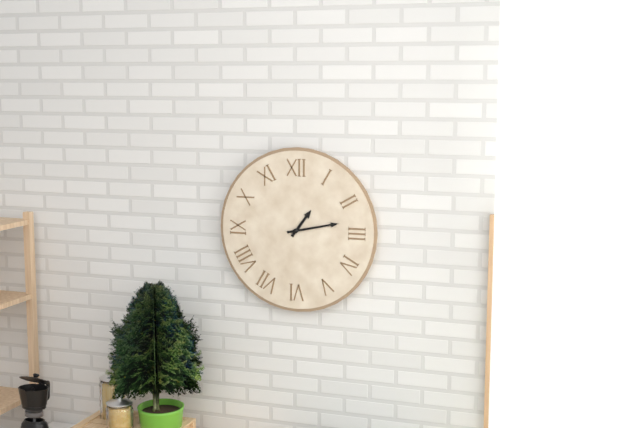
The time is 1:13
